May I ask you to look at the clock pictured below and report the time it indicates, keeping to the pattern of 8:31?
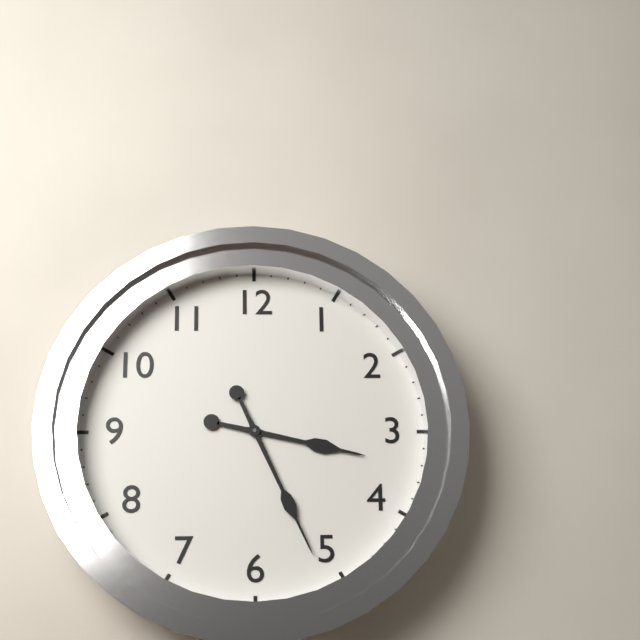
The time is 3:26
